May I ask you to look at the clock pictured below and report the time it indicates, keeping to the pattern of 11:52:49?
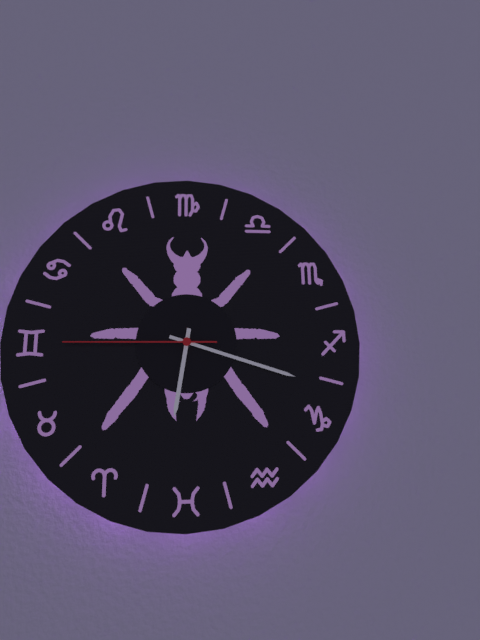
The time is 6:18:45
